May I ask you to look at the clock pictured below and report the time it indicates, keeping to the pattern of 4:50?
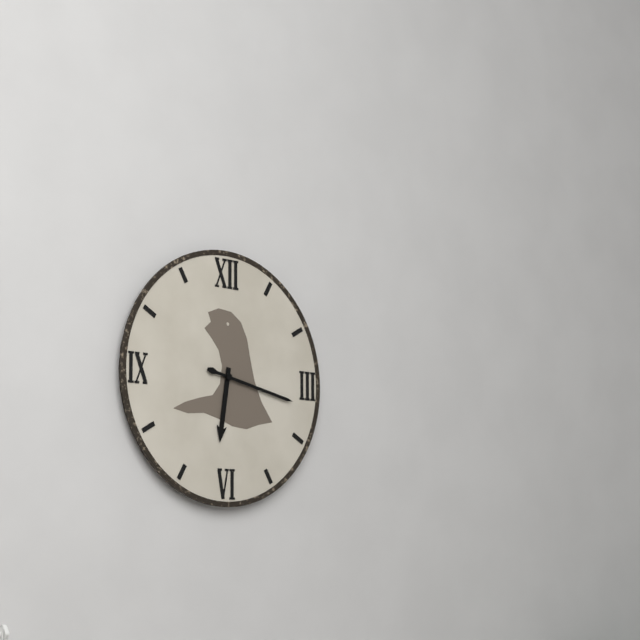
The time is 6:17
